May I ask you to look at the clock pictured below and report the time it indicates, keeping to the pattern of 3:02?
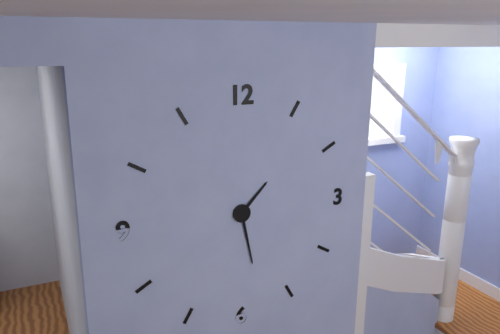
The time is 1:28
